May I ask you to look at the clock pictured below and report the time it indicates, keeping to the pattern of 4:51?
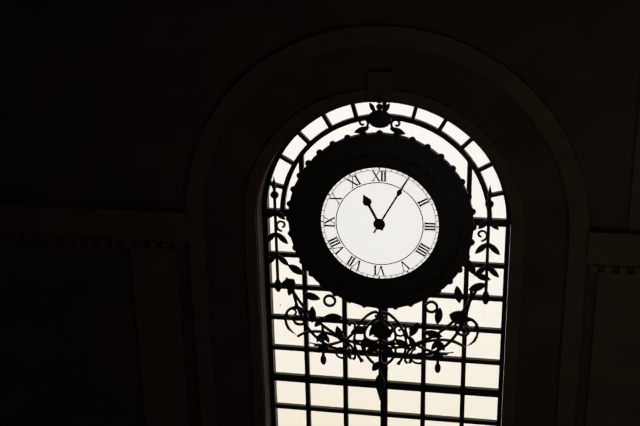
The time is 11:05
